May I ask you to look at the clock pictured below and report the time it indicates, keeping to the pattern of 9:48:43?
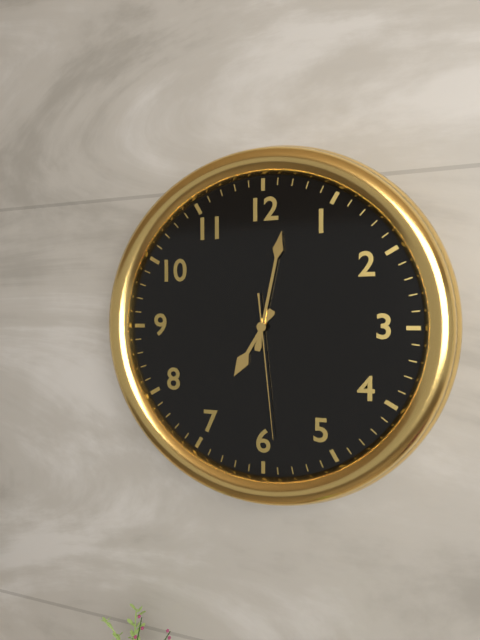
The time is 7:02:29
